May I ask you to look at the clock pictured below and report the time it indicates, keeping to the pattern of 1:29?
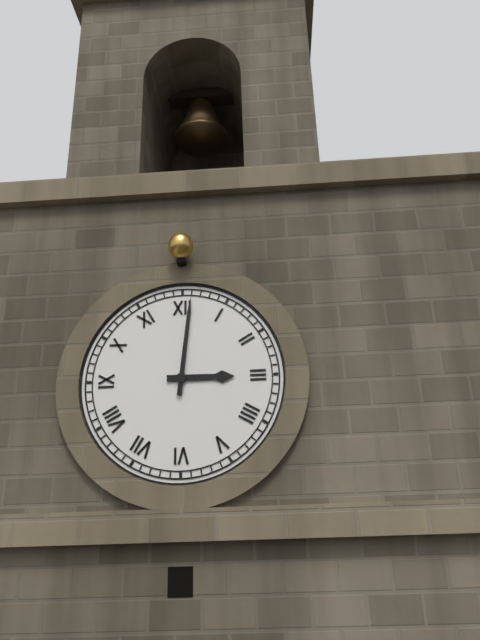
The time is 3:01
